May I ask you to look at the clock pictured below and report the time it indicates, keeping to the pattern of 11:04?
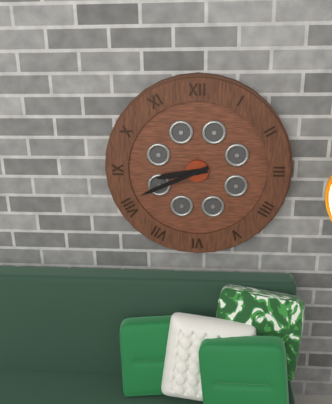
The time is 8:41
